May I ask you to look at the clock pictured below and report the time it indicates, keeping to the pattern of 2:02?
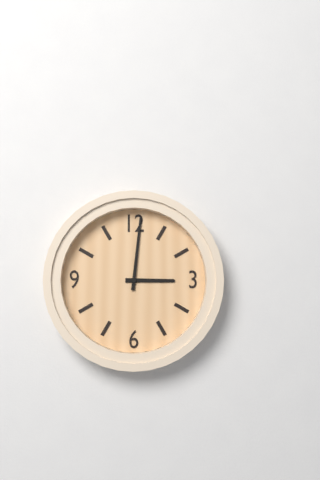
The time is 3:01
